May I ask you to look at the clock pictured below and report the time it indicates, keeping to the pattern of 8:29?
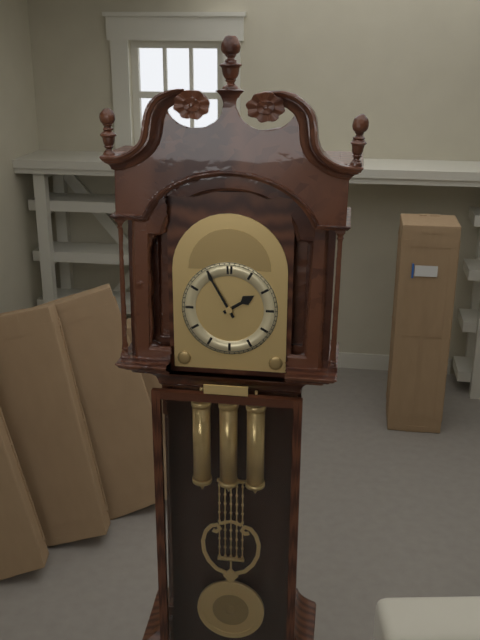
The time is 1:55
